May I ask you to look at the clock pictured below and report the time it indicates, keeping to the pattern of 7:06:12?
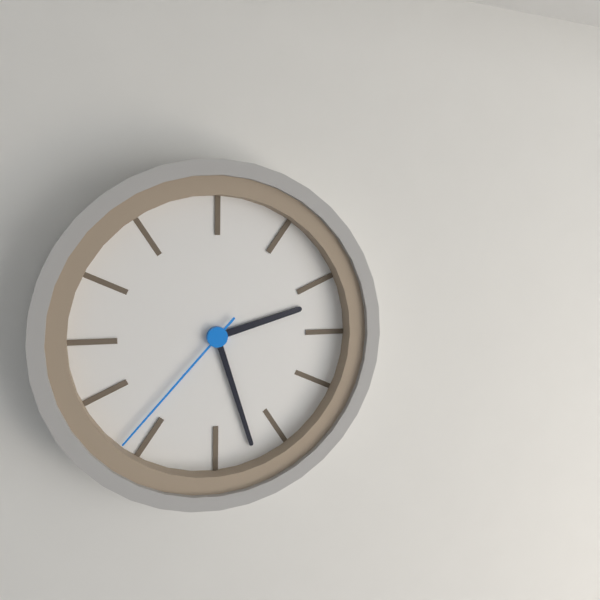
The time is 2:27:37
